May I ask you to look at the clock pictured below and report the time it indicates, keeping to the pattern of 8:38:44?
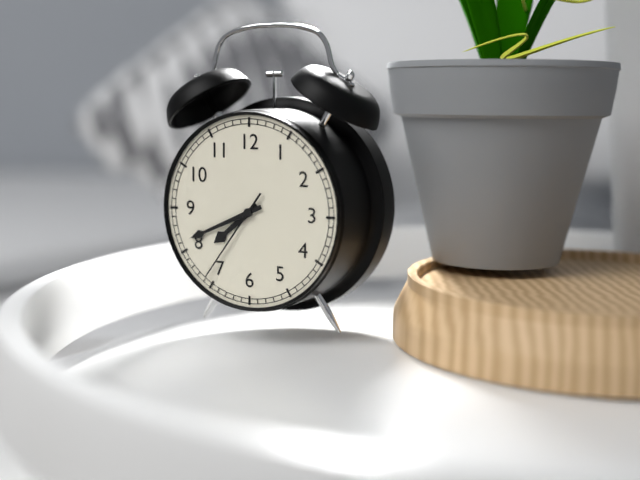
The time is 7:41:36
